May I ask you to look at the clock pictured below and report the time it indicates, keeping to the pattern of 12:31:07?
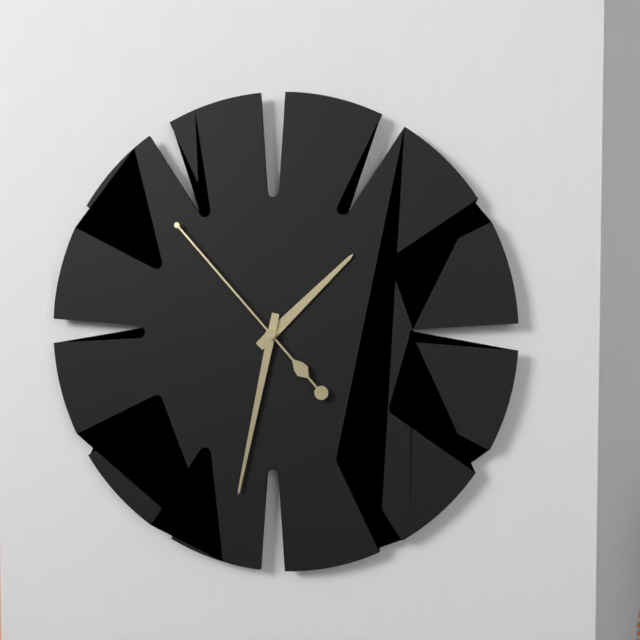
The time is 1:32:53
